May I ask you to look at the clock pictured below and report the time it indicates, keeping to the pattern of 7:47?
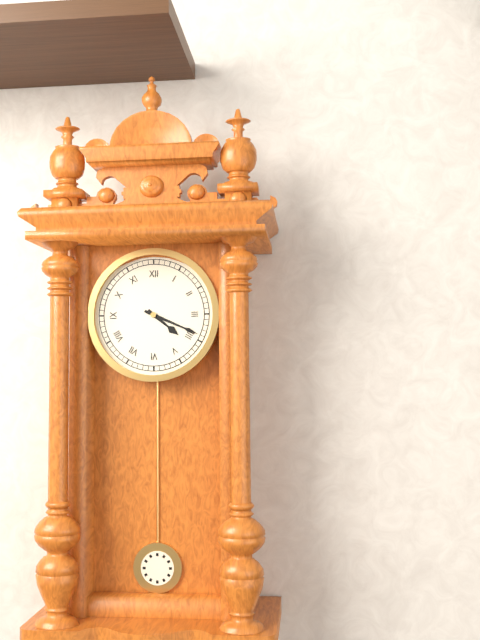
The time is 4:19
